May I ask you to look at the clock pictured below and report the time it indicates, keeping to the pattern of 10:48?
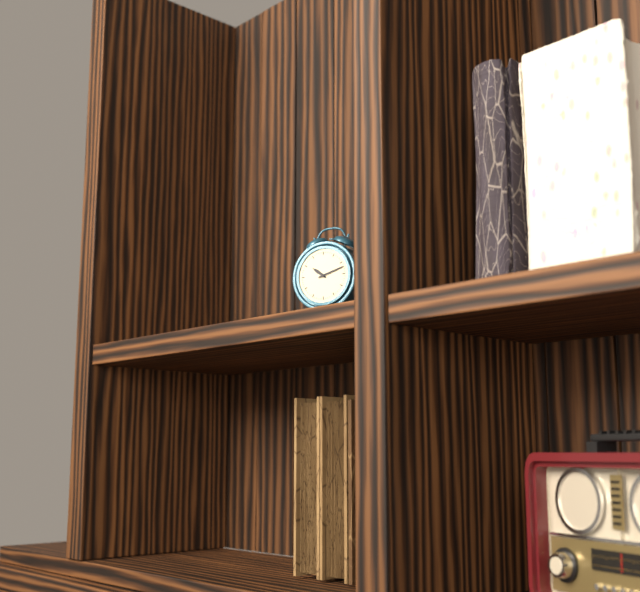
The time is 10:12
